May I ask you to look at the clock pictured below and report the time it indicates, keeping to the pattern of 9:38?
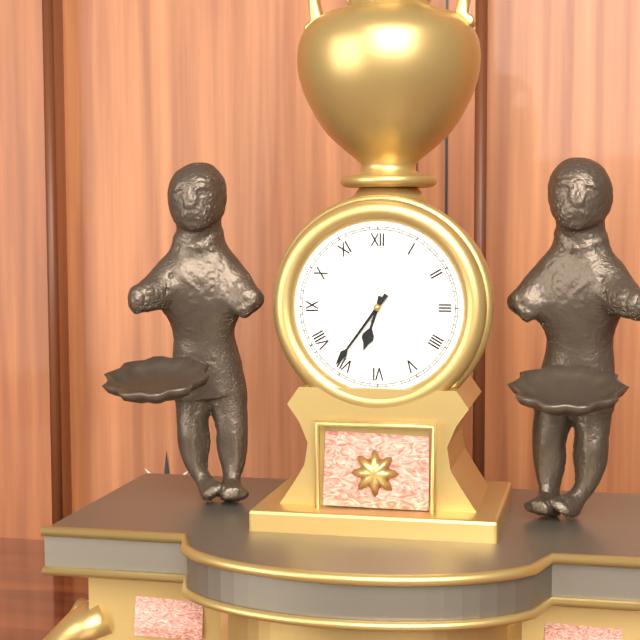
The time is 6:36
